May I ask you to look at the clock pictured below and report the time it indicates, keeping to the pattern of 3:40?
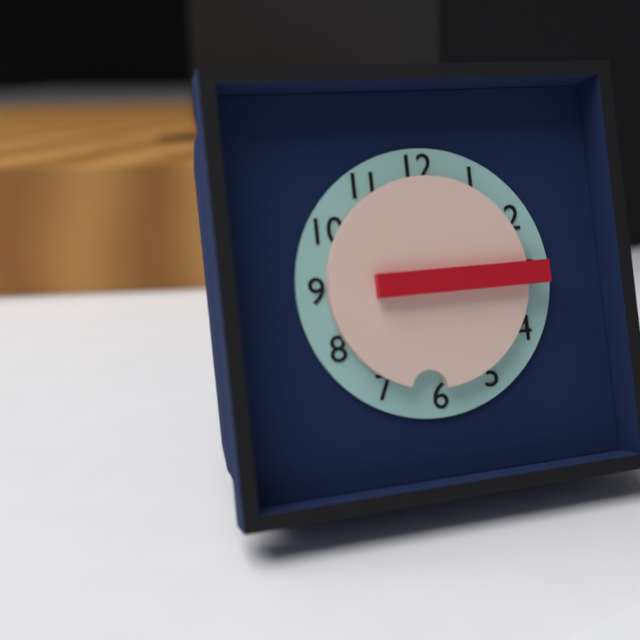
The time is 6:15
